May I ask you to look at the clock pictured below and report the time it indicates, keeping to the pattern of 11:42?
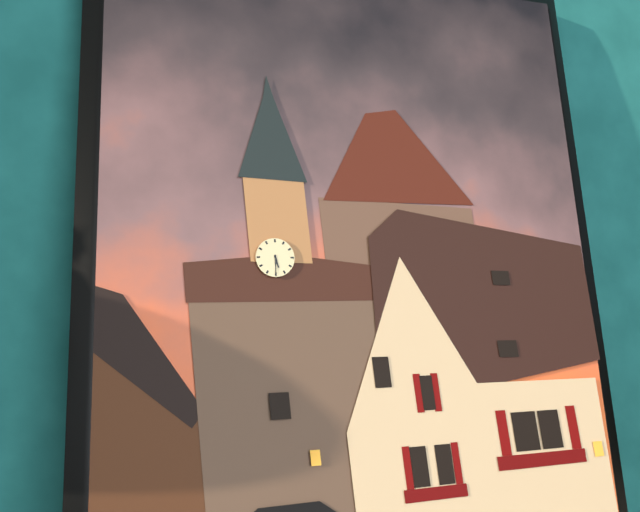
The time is 5:30
